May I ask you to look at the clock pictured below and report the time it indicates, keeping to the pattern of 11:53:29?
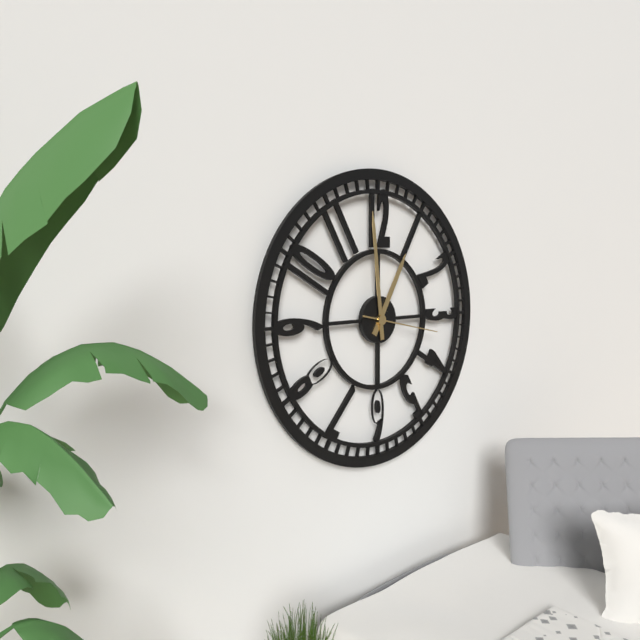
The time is 12:59:17
